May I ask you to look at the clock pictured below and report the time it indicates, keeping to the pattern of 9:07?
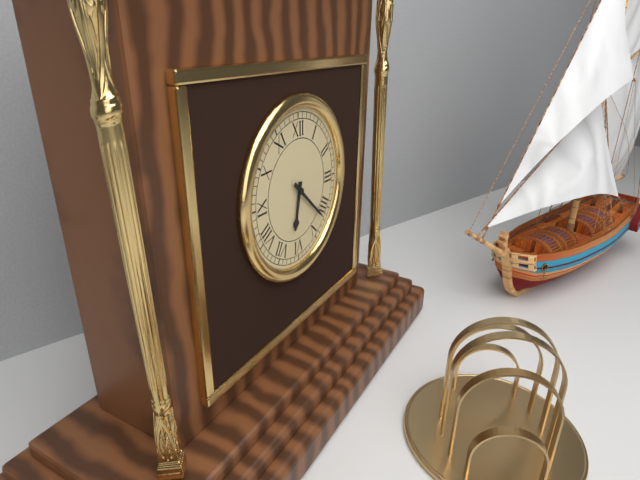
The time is 6:22
